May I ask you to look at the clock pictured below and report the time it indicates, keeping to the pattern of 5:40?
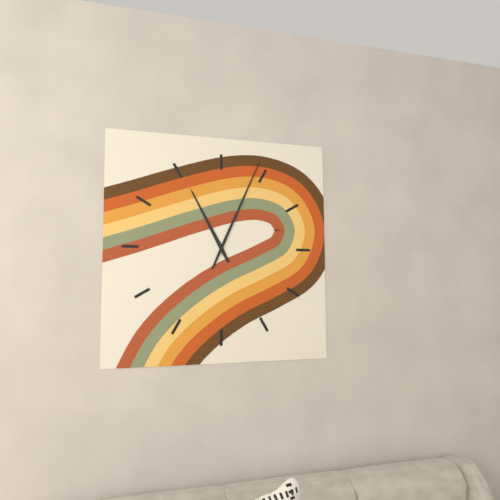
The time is 11:04
